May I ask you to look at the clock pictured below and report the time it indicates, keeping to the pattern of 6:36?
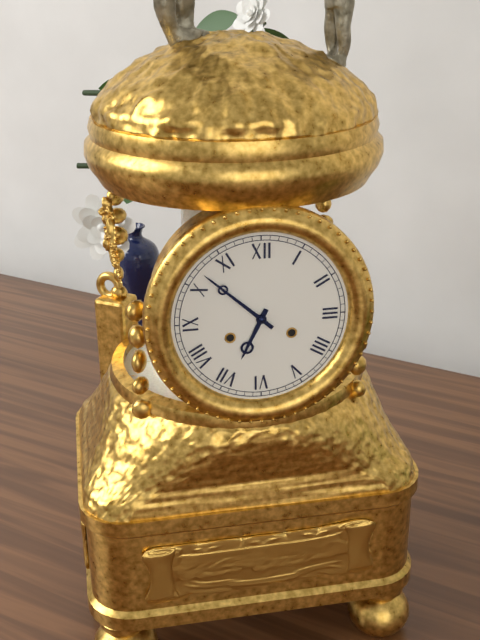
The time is 6:52
